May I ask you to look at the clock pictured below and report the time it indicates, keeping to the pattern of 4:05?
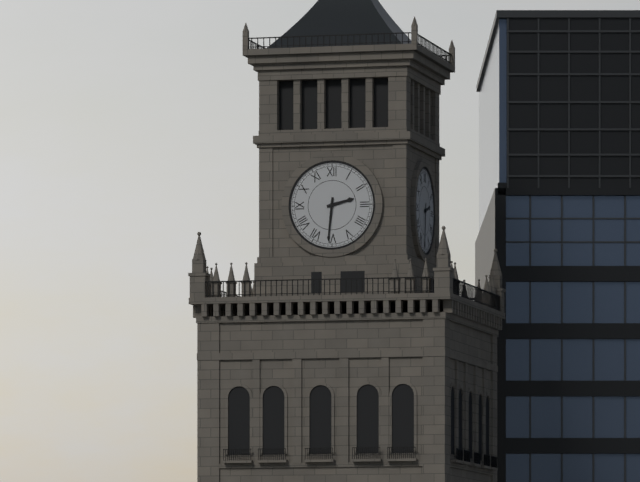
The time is 2:31
